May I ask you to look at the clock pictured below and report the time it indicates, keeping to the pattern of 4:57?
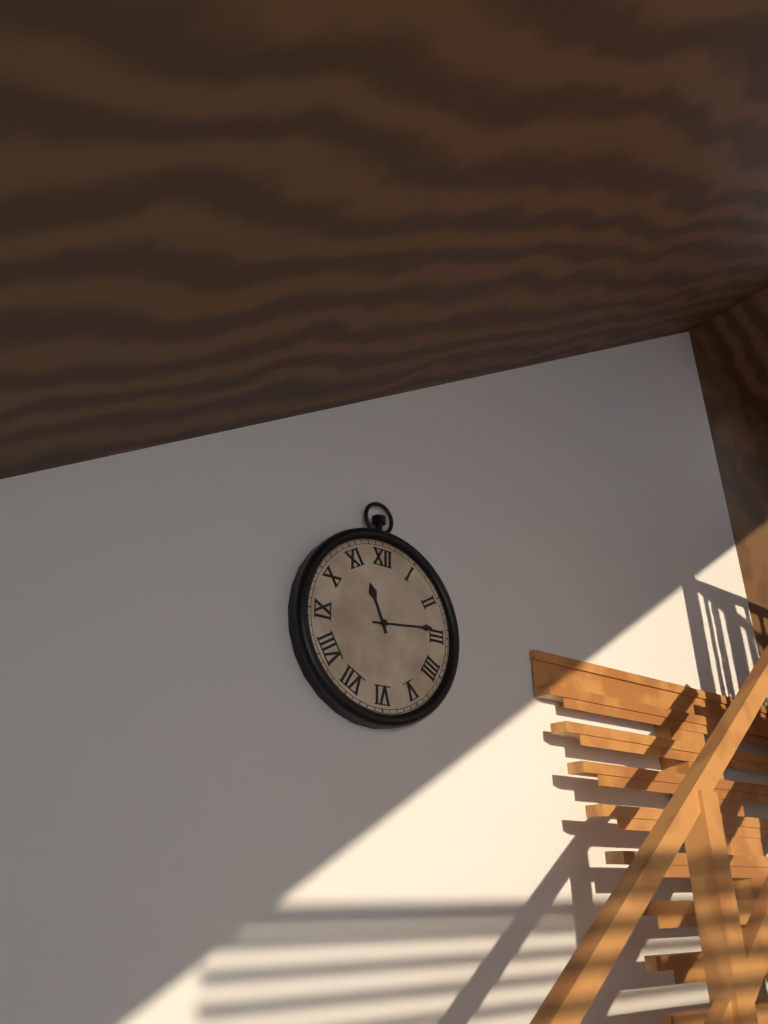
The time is 11:14
